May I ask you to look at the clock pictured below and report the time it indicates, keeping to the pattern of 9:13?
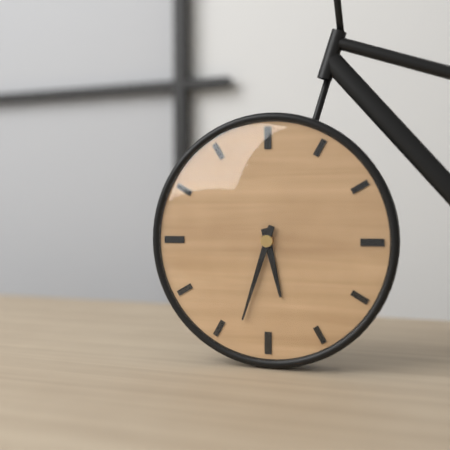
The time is 5:33
